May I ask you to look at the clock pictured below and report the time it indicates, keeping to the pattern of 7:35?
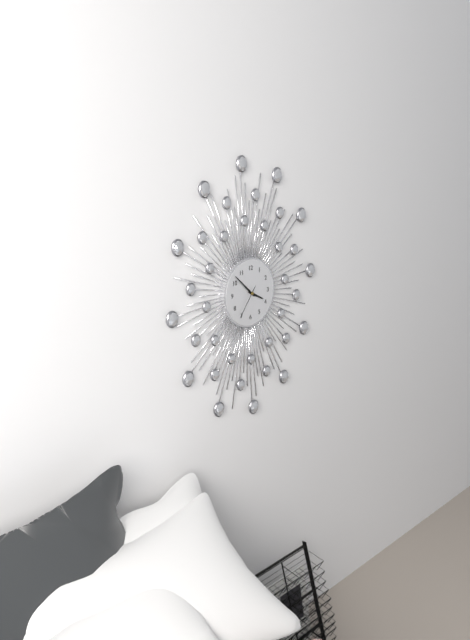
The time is 3:52
